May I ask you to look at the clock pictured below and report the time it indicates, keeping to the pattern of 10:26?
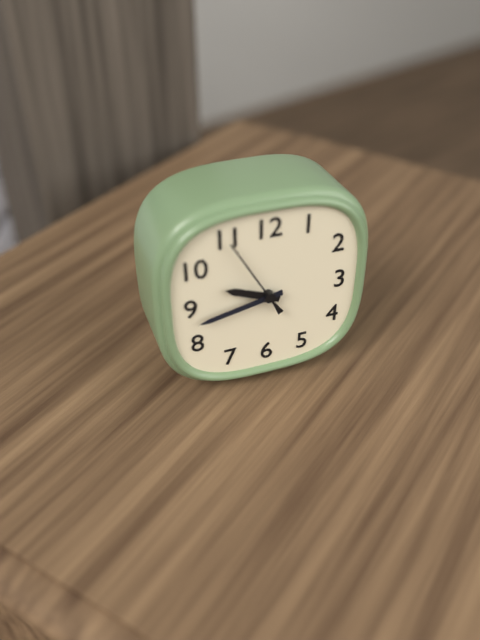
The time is 9:43
